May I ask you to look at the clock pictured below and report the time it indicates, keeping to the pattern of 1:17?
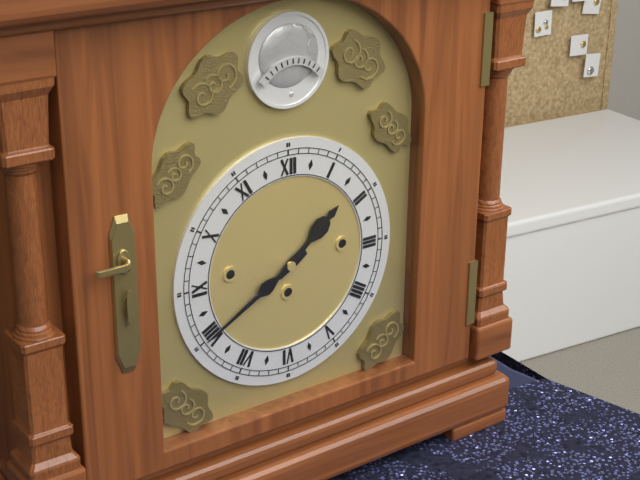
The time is 1:40
